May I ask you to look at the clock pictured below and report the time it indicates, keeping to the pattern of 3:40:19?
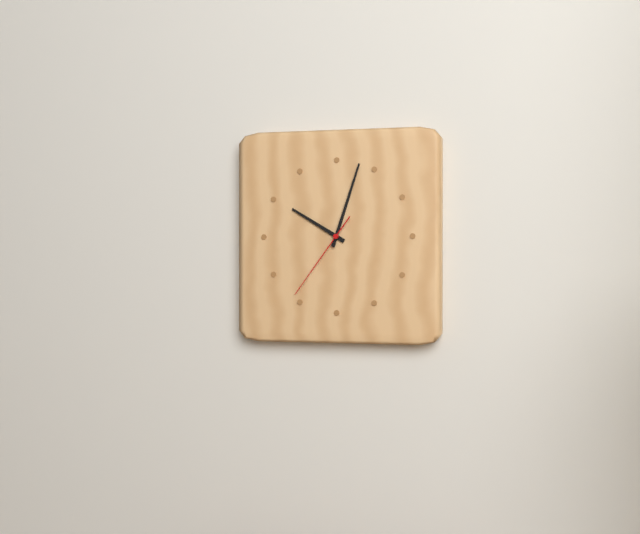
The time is 10:03:36
